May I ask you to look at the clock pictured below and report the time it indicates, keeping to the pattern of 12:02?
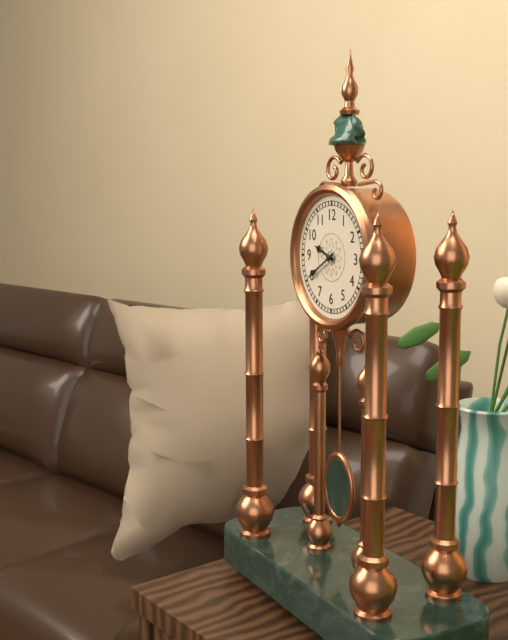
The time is 9:40
